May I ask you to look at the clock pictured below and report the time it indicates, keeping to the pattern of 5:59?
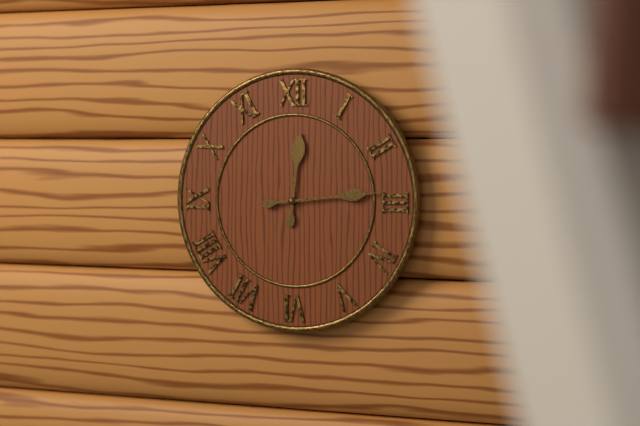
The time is 12:14
